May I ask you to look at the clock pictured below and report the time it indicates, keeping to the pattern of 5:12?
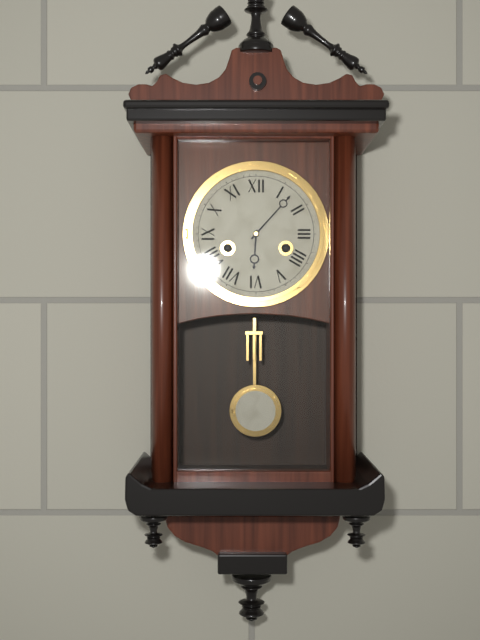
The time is 6:07
